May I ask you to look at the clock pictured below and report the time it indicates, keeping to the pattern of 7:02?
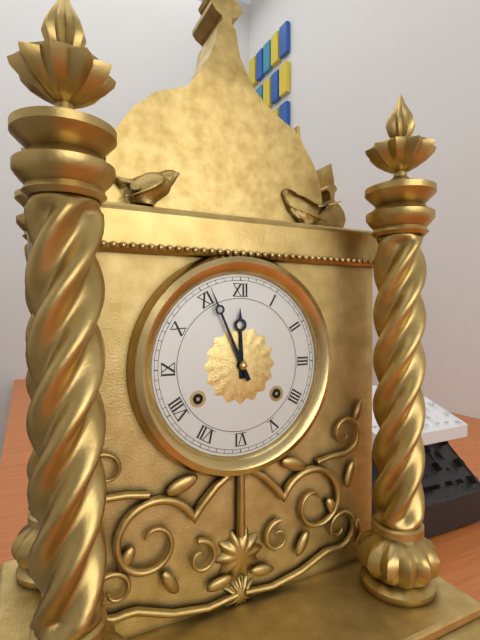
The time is 11:56
